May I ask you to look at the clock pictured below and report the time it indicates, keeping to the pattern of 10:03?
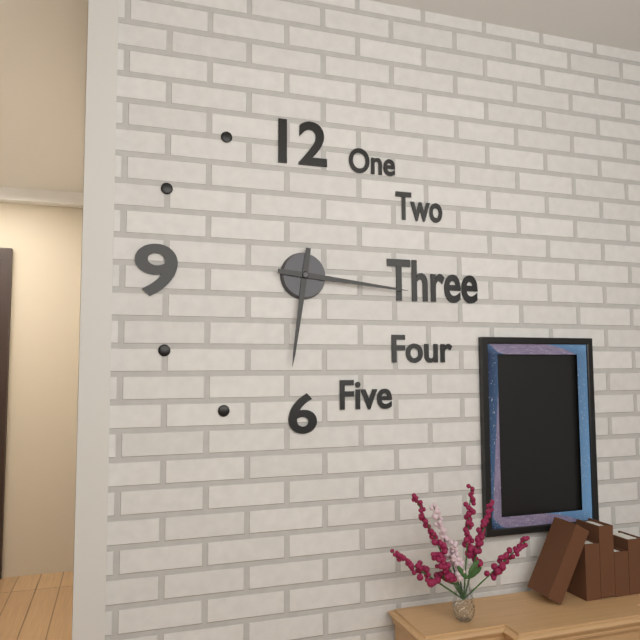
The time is 6:16
